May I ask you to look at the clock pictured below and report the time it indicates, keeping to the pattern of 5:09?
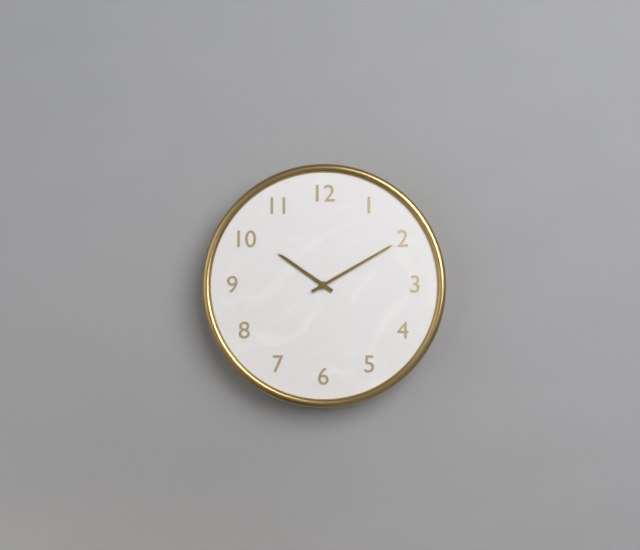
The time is 10:10
